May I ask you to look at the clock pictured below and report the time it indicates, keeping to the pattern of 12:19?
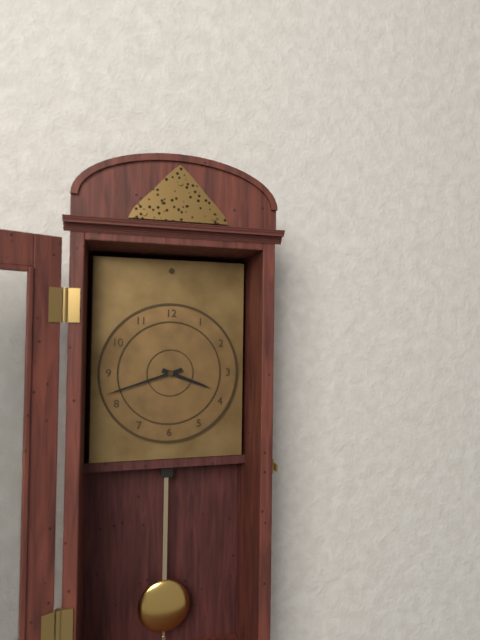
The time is 3:42
